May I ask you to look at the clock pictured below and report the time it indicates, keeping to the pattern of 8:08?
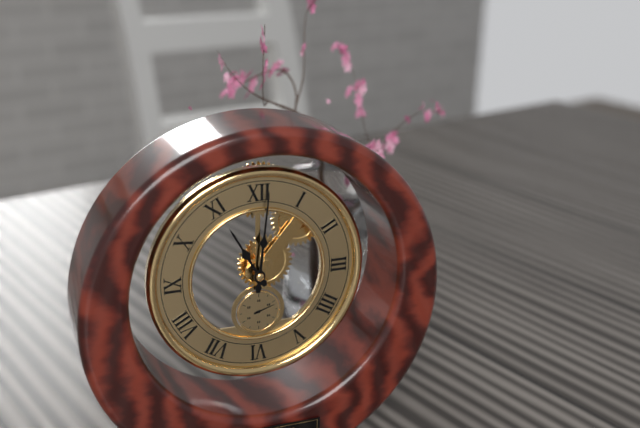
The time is 11:01
